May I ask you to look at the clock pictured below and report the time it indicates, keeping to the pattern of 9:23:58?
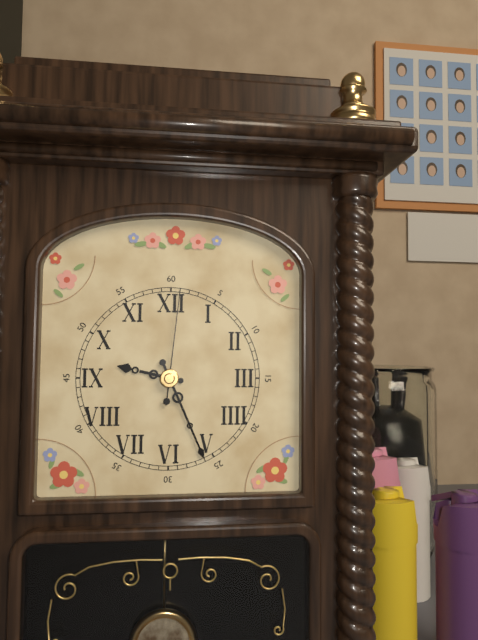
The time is 9:26:01
